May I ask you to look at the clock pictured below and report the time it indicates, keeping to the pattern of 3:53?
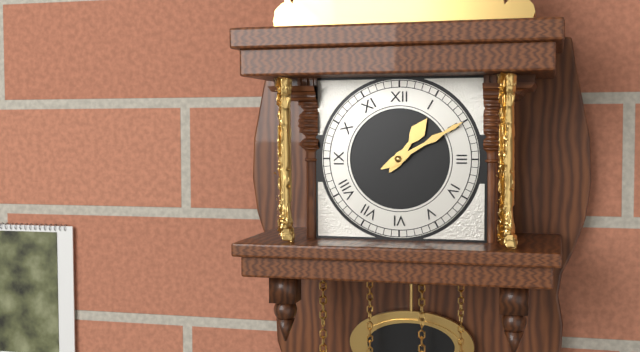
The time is 1:10
